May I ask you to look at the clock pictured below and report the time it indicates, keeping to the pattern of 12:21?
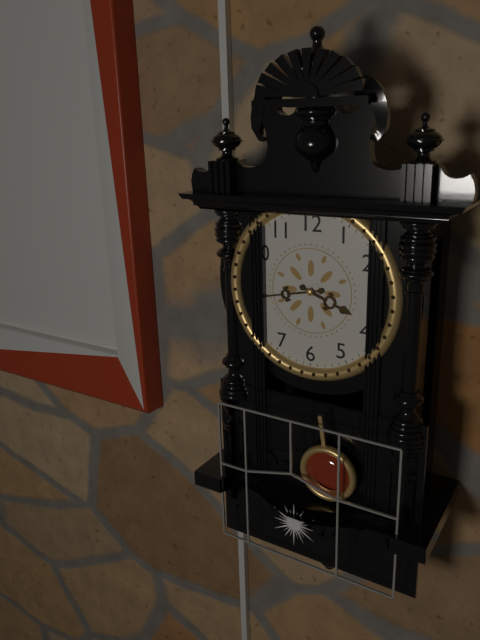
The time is 3:43
